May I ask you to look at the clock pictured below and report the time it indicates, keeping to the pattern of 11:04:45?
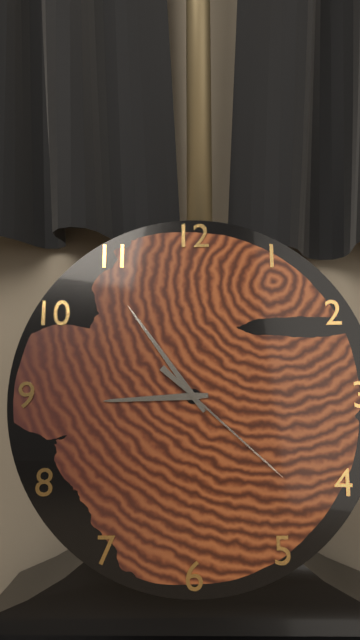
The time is 8:54:22
